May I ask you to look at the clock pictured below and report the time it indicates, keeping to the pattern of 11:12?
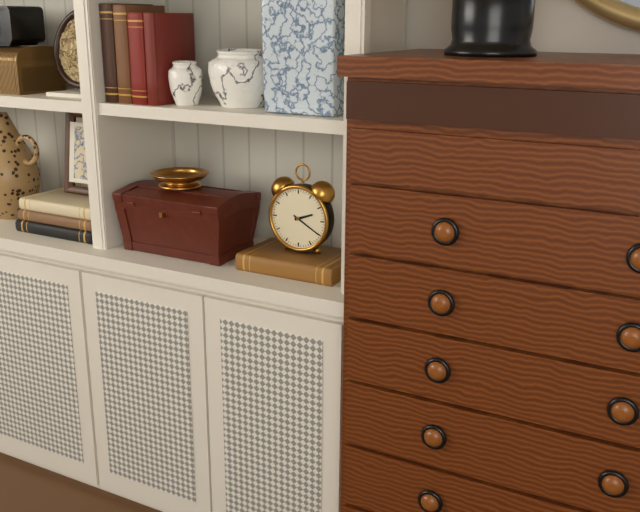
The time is 2:20
